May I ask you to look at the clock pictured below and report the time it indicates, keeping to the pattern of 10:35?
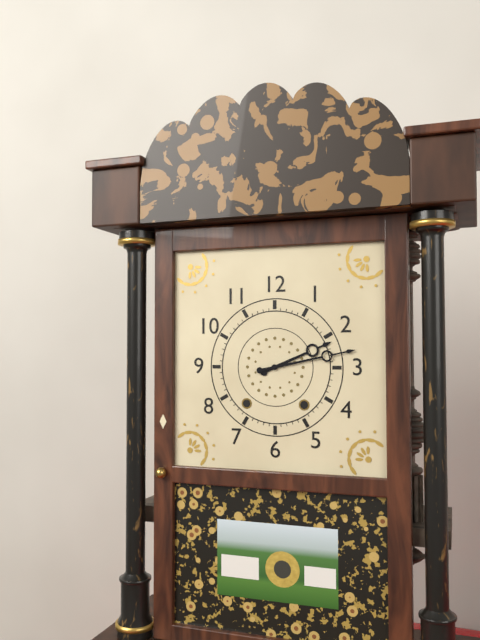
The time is 2:13
